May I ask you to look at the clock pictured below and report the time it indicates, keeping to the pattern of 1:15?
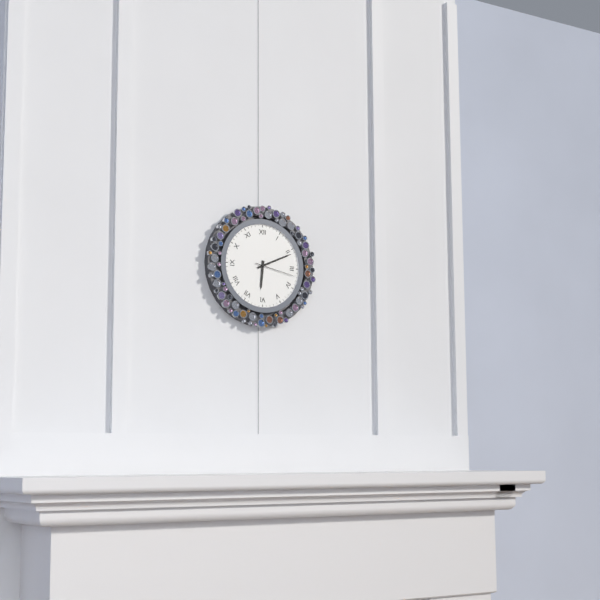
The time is 6:11
